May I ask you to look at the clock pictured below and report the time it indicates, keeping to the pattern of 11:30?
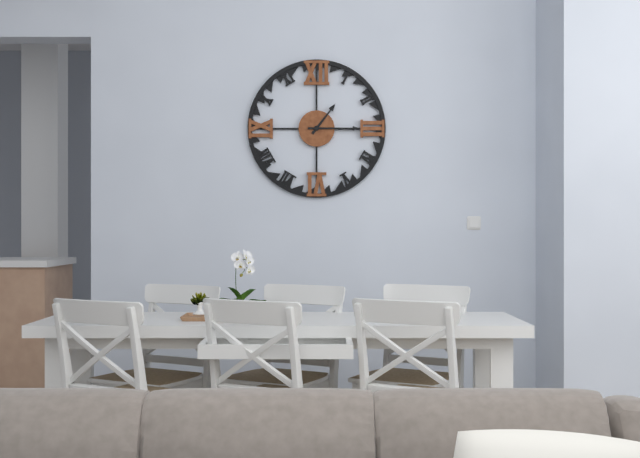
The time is 1:15
